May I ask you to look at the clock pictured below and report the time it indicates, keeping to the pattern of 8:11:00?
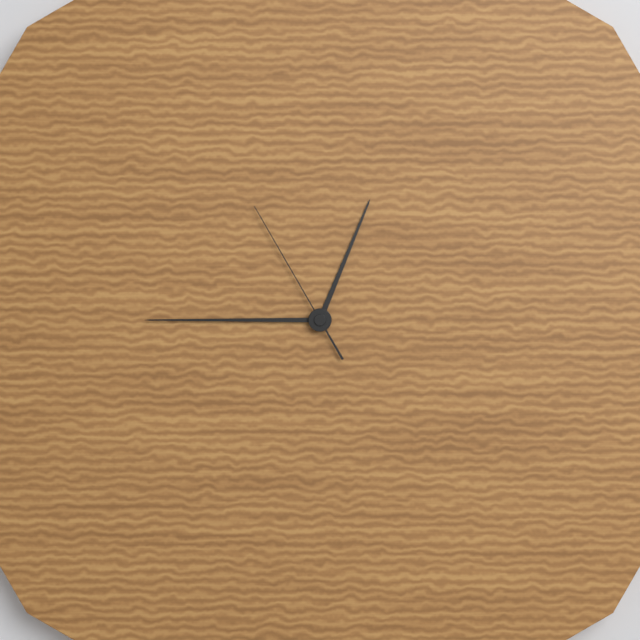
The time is 12:45:55
